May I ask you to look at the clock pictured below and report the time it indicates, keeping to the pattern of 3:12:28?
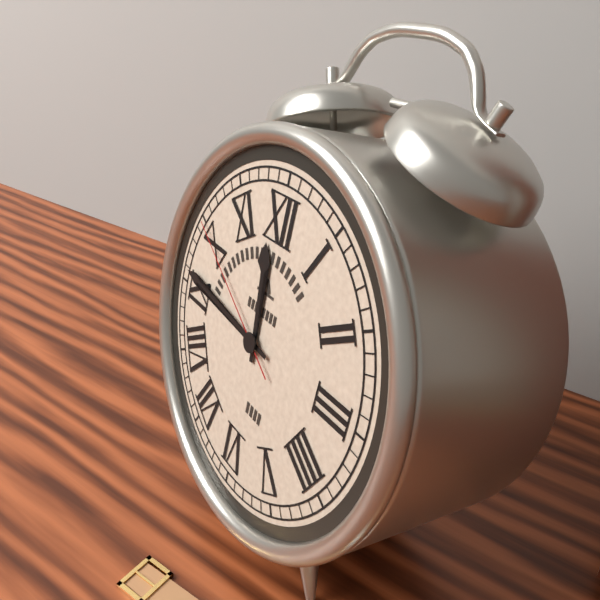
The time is 11:46:50
